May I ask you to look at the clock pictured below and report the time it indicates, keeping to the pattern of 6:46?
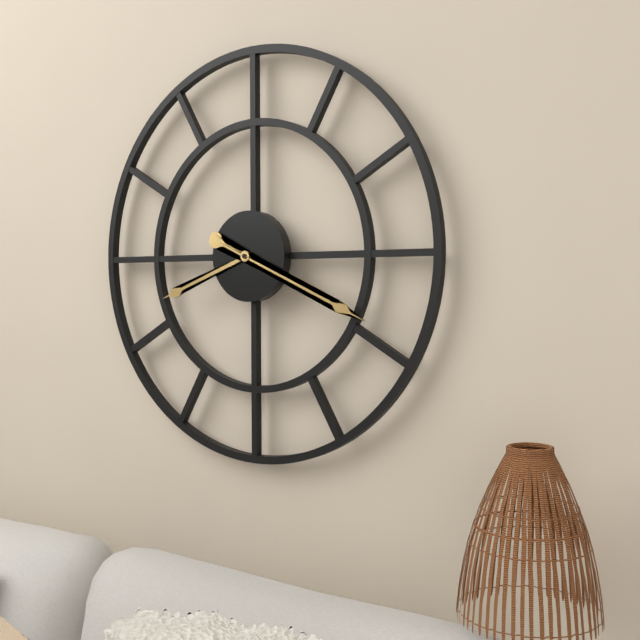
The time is 8:19
